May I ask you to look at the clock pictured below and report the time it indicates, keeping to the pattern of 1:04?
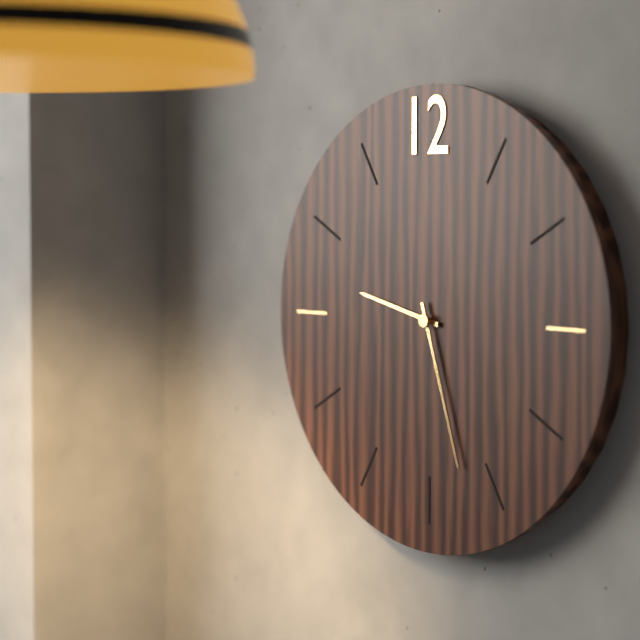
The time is 9:27
